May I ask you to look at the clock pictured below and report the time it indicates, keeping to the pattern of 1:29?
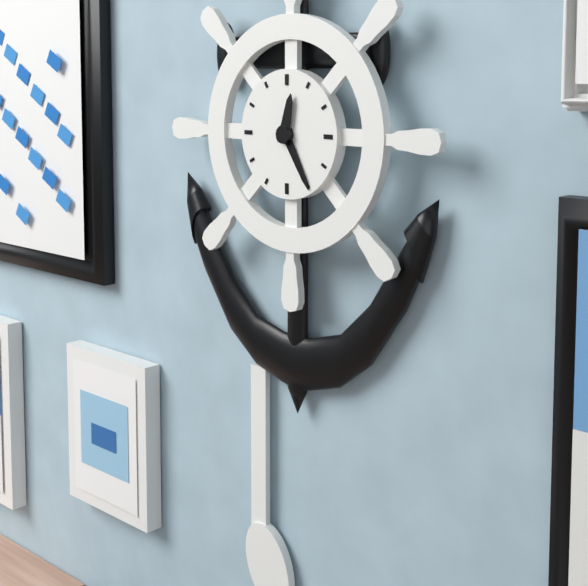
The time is 12:25
